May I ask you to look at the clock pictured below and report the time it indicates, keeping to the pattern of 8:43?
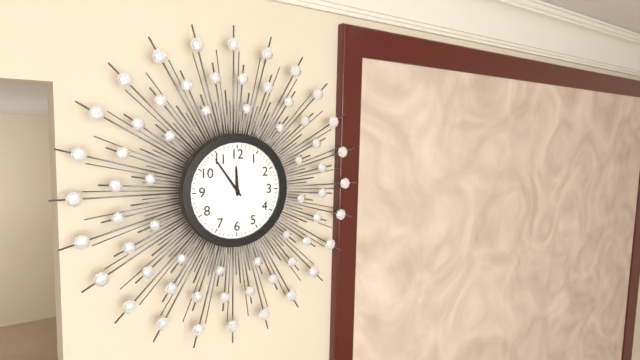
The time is 11:54
